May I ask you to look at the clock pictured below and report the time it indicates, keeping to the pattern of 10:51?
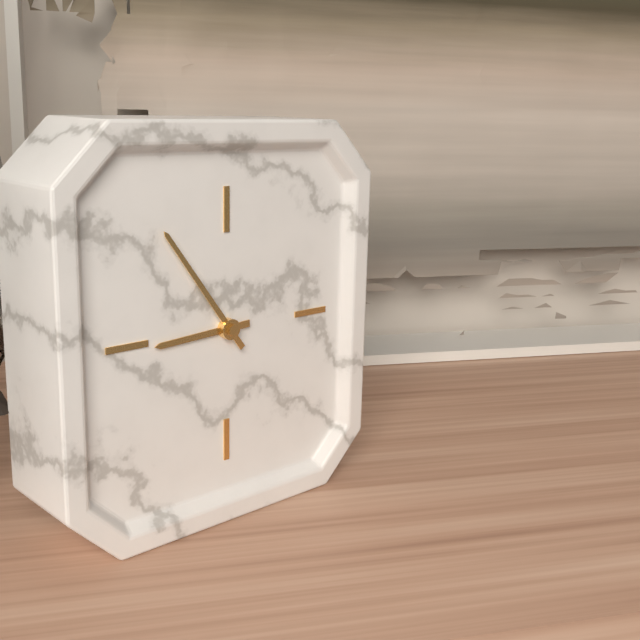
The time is 8:54
